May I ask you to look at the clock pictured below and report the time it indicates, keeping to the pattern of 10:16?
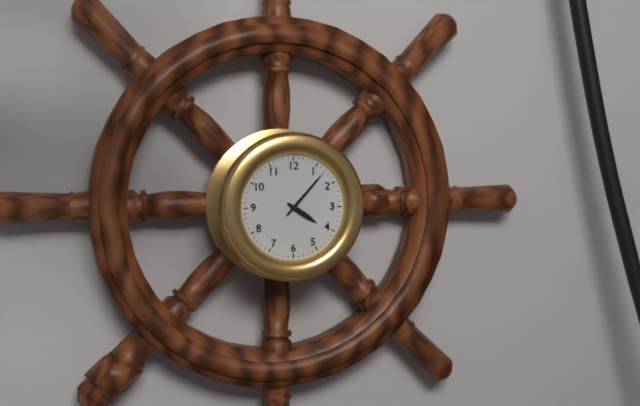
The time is 4:07
